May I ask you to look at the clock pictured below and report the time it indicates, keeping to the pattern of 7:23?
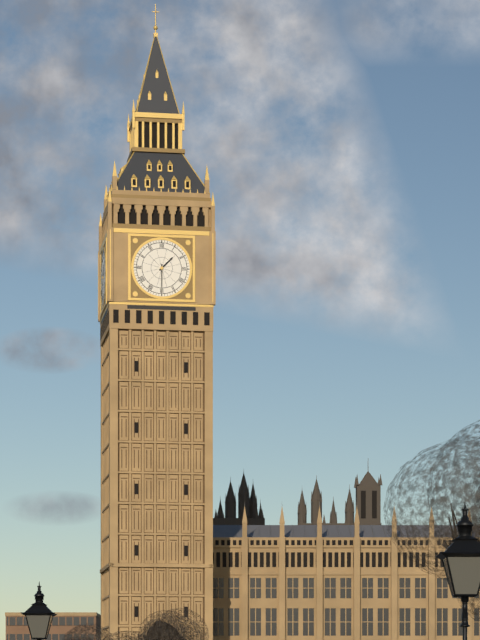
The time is 1:30
